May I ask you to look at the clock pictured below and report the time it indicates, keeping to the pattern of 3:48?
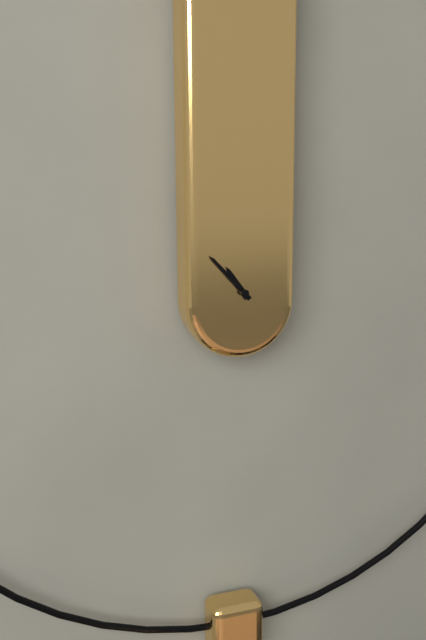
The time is 10:53
